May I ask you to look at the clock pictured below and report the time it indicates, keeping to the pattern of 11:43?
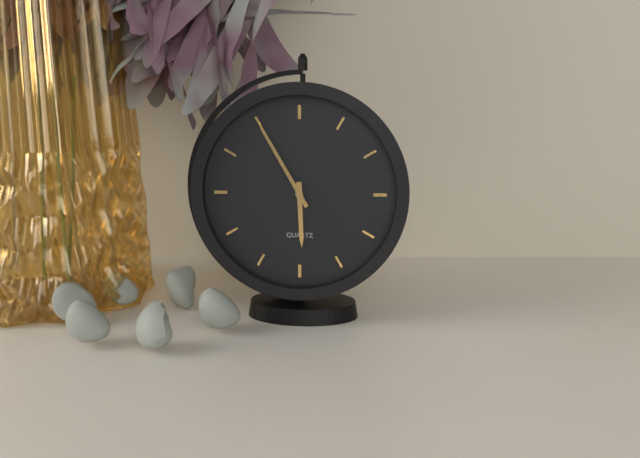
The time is 5:55
